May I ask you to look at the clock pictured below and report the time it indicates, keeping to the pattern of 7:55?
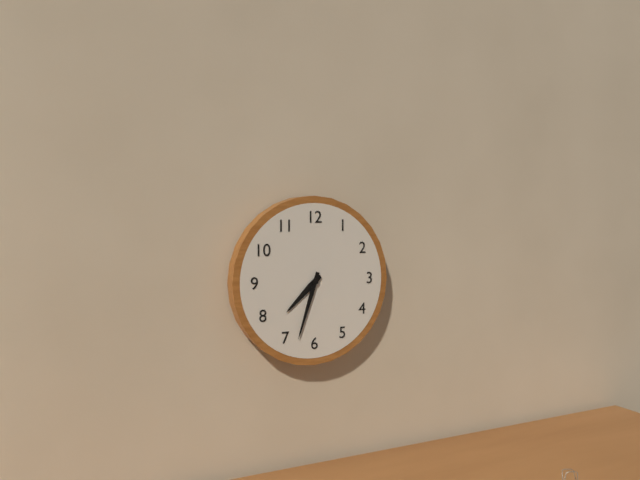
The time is 7:33
